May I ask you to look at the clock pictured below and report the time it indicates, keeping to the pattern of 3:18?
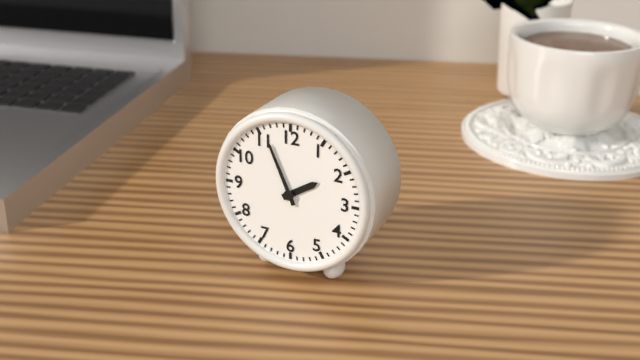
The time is 1:56
